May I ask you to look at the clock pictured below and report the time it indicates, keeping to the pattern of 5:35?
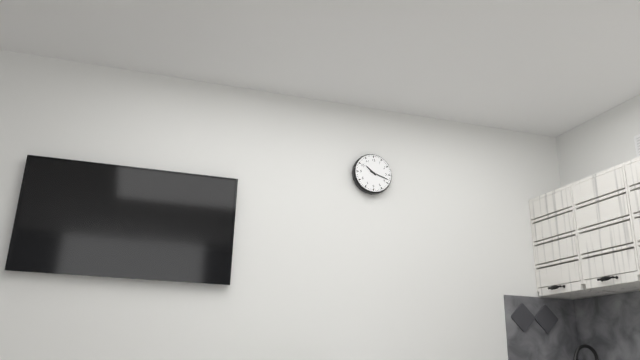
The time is 10:18
